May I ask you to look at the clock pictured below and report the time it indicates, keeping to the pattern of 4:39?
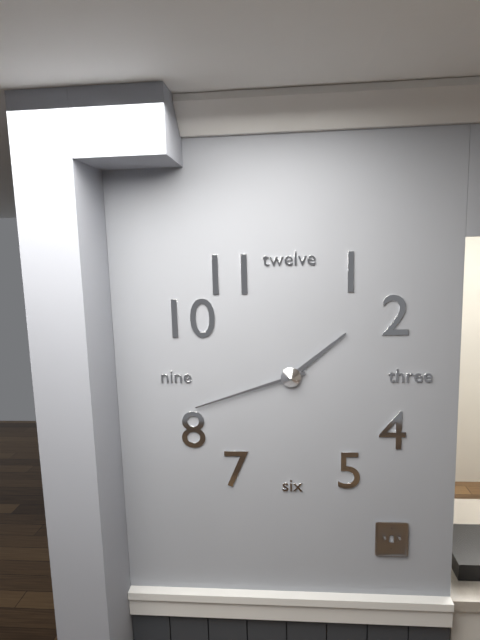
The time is 1:42
